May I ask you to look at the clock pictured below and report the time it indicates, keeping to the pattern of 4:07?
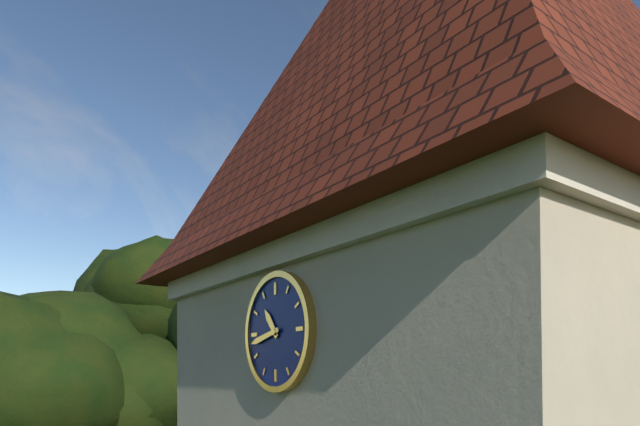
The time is 10:43
